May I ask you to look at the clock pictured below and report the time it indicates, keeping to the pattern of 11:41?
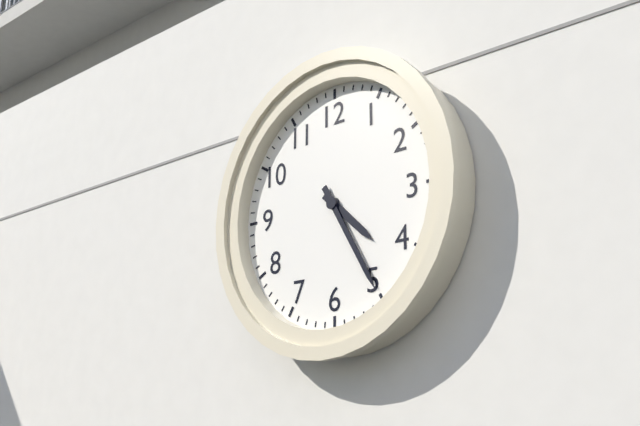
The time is 4:25
